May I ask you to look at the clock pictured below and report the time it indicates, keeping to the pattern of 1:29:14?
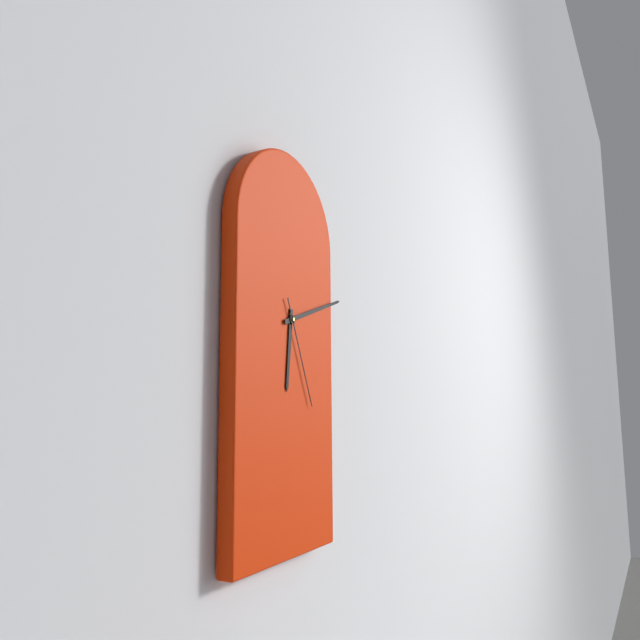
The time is 6:12:26
